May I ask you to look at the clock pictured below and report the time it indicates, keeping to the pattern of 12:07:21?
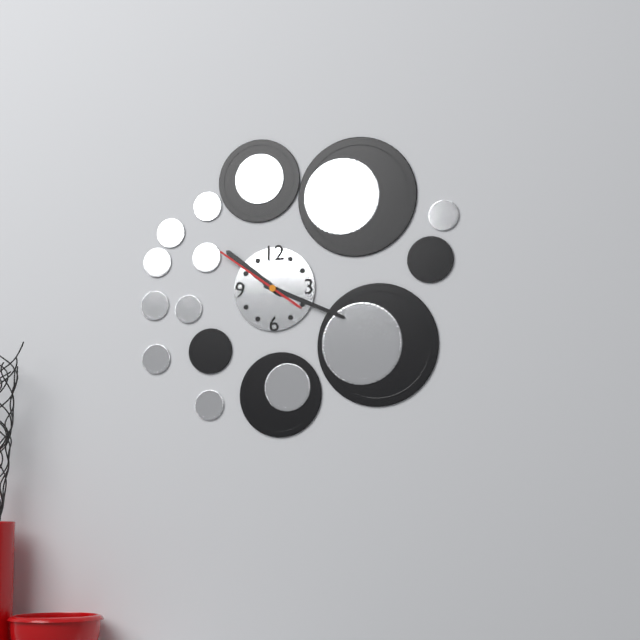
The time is 10:19:51
